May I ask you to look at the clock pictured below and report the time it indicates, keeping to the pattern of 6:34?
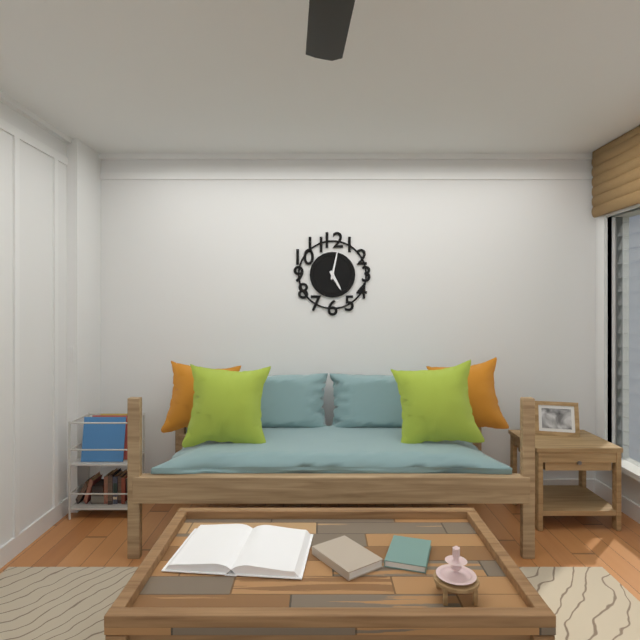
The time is 5:02
